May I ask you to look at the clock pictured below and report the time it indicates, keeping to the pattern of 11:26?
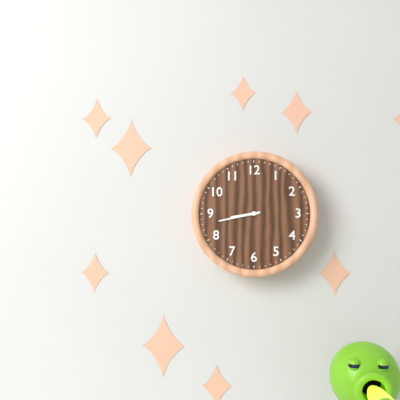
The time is 8:43
